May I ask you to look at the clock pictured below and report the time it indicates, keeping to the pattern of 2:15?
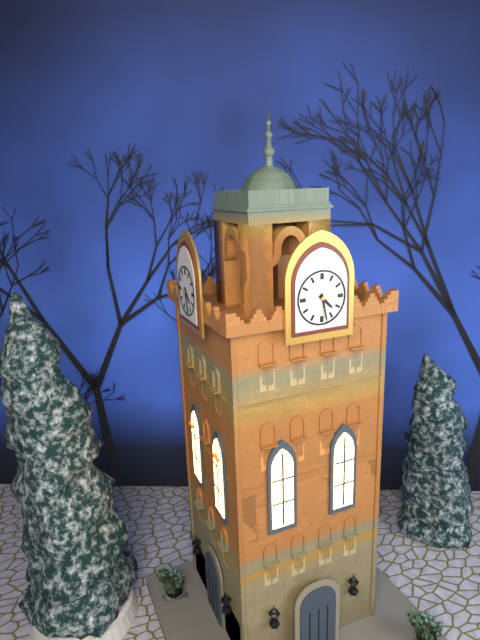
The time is 4:28
